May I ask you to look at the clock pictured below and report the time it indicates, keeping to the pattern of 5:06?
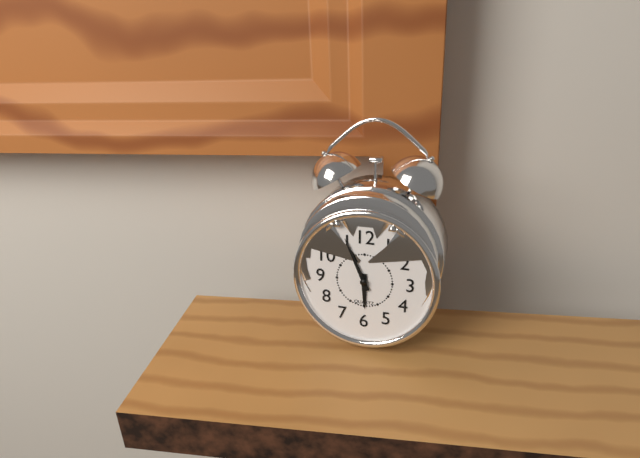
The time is 5:56
